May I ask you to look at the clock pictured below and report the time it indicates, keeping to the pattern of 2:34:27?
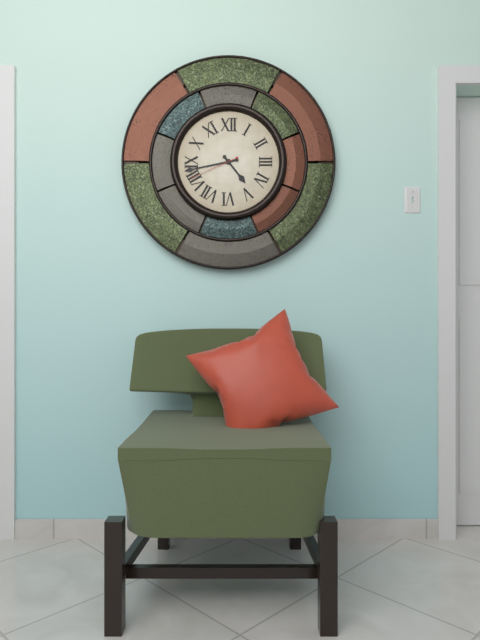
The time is 4:43:41
